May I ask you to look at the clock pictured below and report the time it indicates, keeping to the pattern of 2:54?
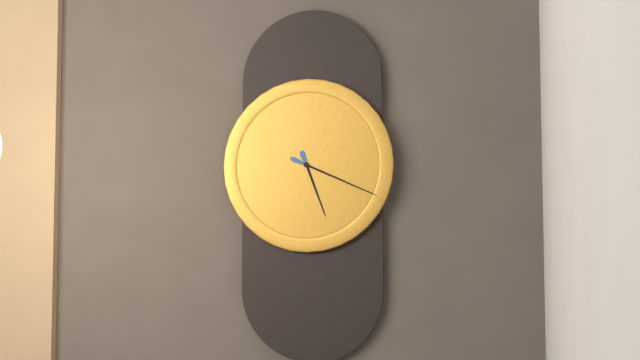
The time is 5:19
